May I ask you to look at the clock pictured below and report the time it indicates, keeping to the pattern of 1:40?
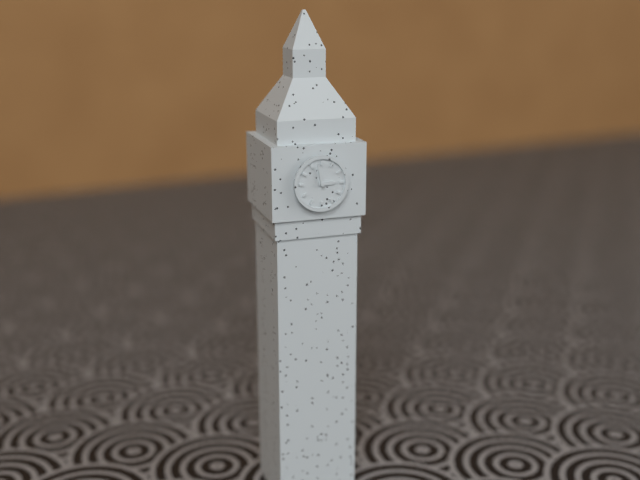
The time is 2:58
